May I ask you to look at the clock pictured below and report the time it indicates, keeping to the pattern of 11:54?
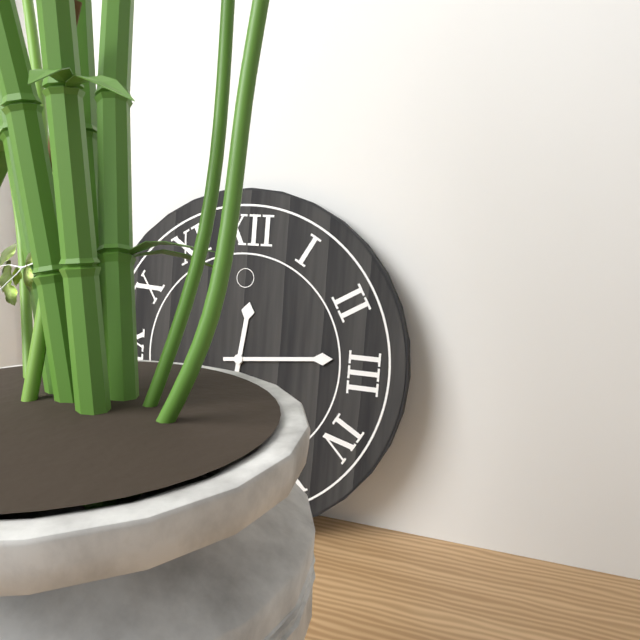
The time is 12:14
